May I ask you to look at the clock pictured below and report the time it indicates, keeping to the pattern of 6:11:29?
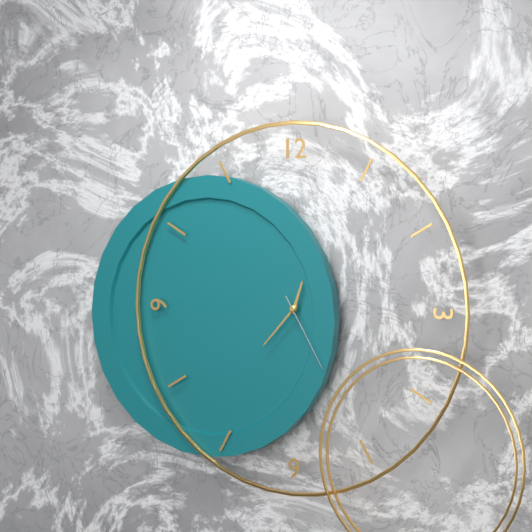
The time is 12:37:25
